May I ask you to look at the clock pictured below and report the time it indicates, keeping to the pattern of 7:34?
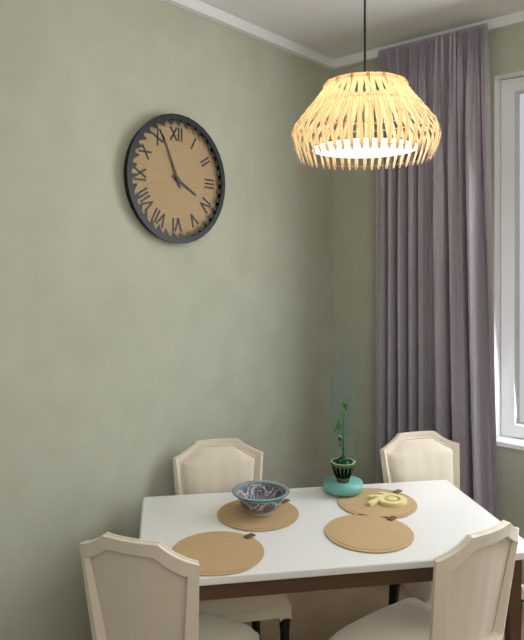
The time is 3:56
